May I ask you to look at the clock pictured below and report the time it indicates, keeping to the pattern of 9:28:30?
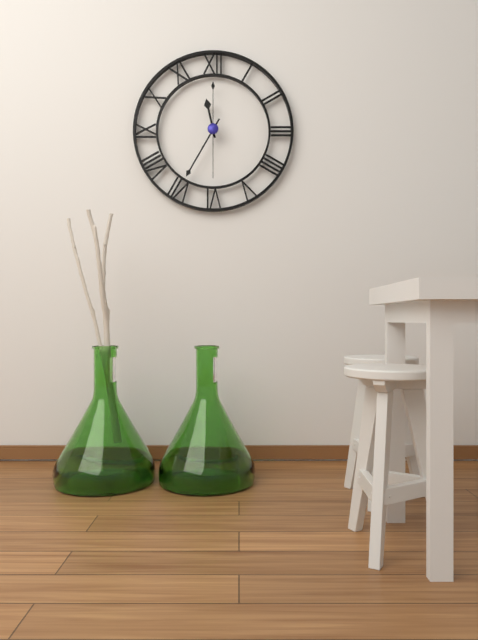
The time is 11:35:30
